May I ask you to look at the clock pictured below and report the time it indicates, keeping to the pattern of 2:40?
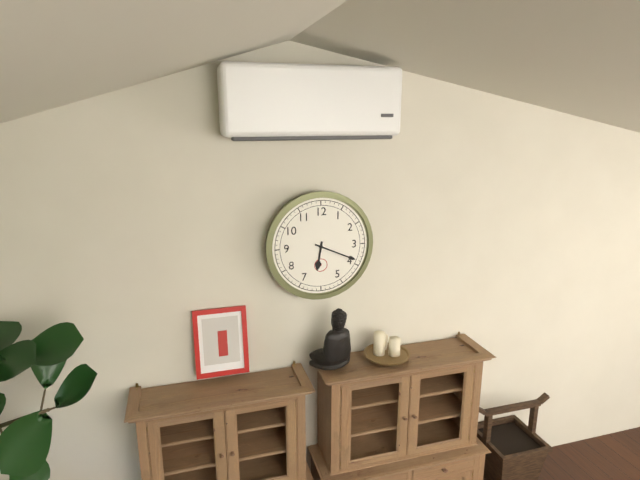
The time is 6:19
